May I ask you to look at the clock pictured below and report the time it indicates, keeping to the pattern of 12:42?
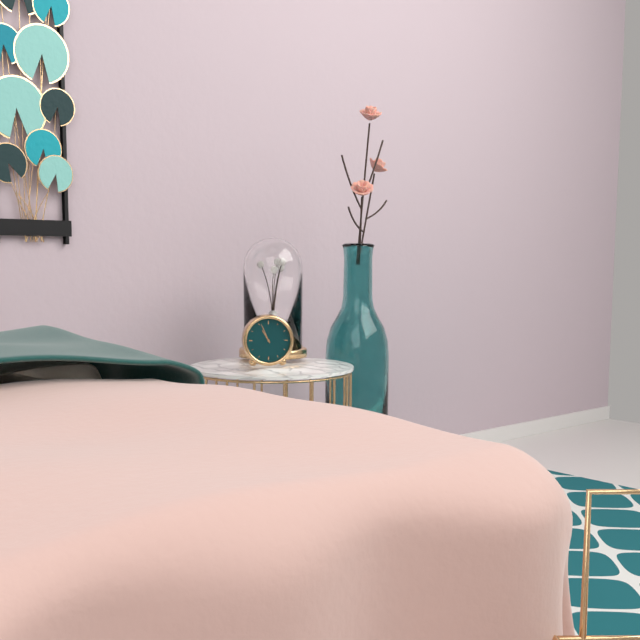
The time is 10:56
